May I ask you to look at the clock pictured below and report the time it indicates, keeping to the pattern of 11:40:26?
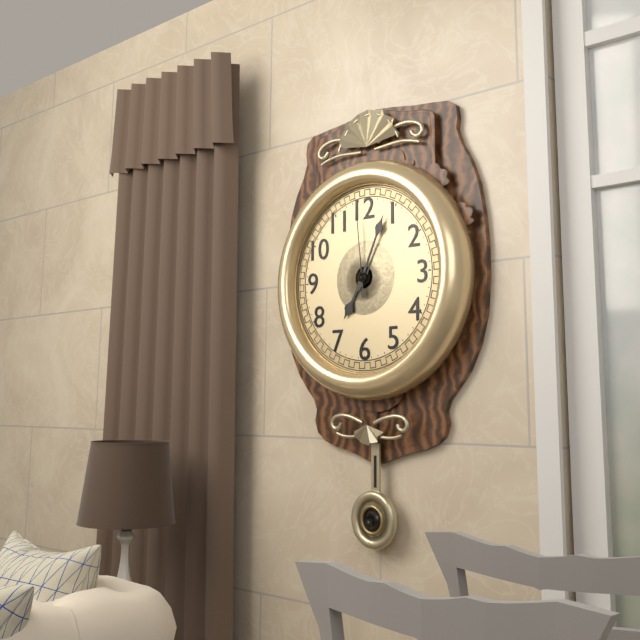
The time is 7:04:59
